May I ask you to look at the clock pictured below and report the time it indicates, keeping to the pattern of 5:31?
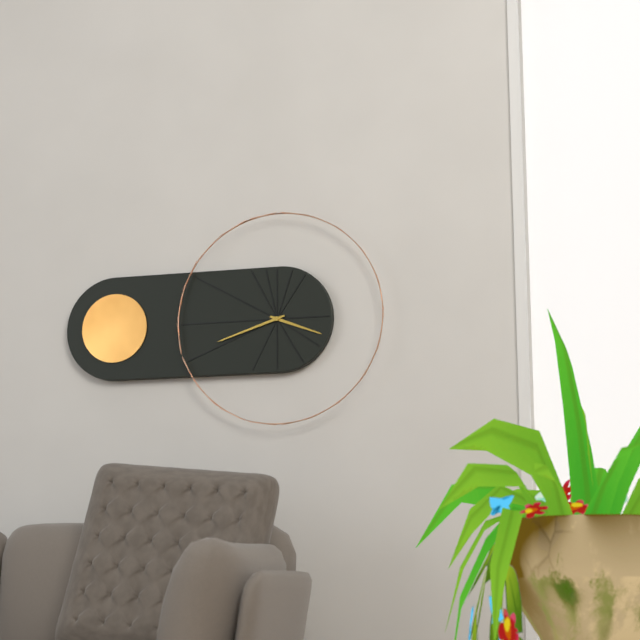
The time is 3:42
